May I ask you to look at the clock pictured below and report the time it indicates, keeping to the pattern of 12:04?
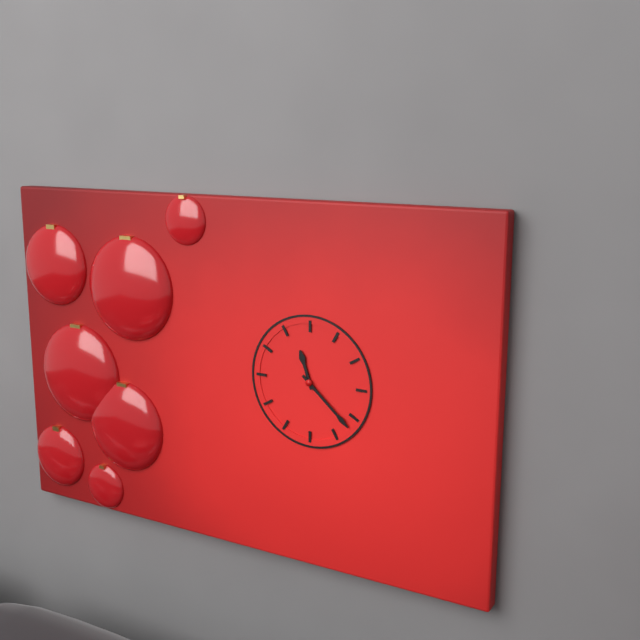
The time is 11:22
